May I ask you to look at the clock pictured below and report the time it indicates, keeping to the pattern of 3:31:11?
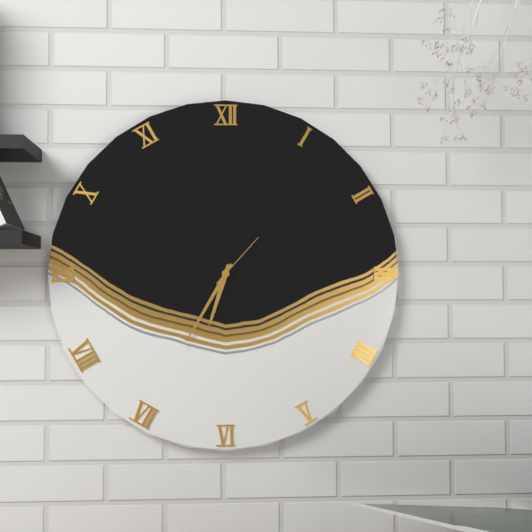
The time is 6:35:07
